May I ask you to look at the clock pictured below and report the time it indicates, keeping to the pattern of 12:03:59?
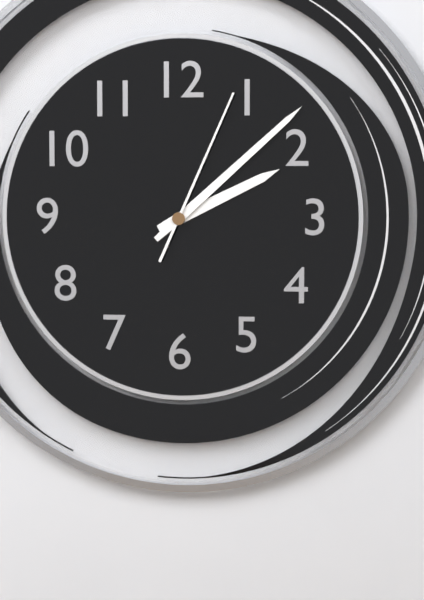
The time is 2:08:04
